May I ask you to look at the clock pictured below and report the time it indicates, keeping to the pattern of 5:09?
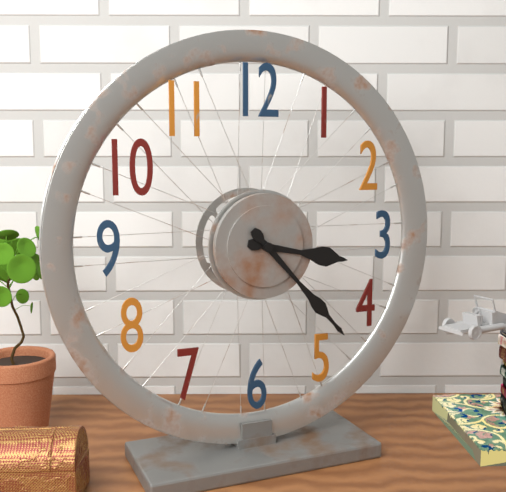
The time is 3:23
